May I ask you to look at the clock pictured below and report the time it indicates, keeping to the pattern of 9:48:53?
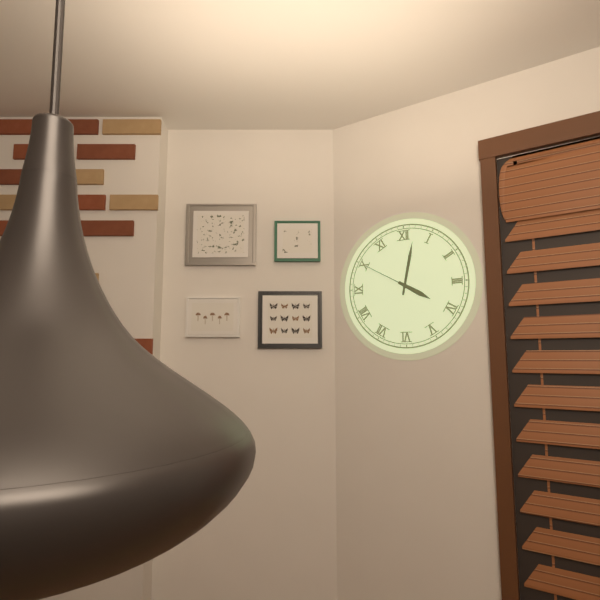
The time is 4:02:50
